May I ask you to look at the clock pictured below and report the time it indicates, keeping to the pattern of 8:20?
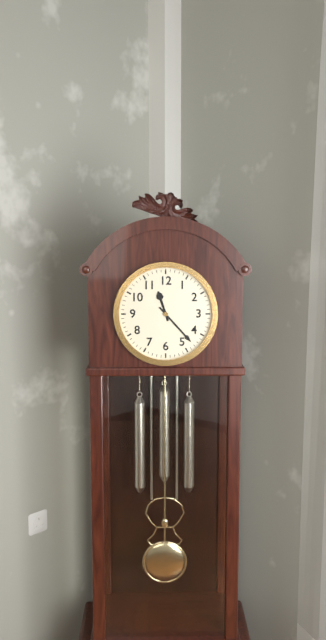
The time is 11:23
